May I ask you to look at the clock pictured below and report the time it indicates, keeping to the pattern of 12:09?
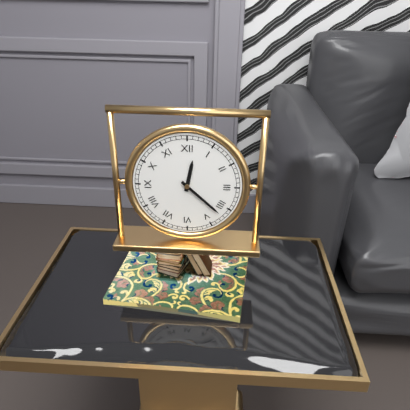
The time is 12:22
